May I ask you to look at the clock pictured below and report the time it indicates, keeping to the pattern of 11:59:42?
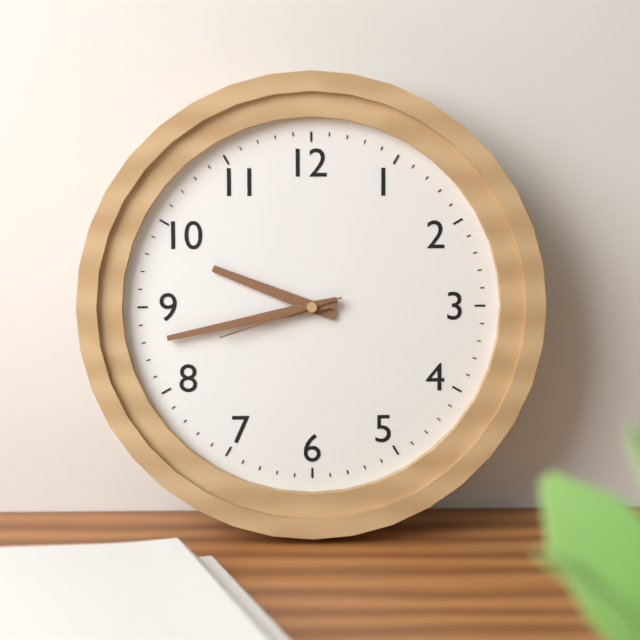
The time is 9:43:42
